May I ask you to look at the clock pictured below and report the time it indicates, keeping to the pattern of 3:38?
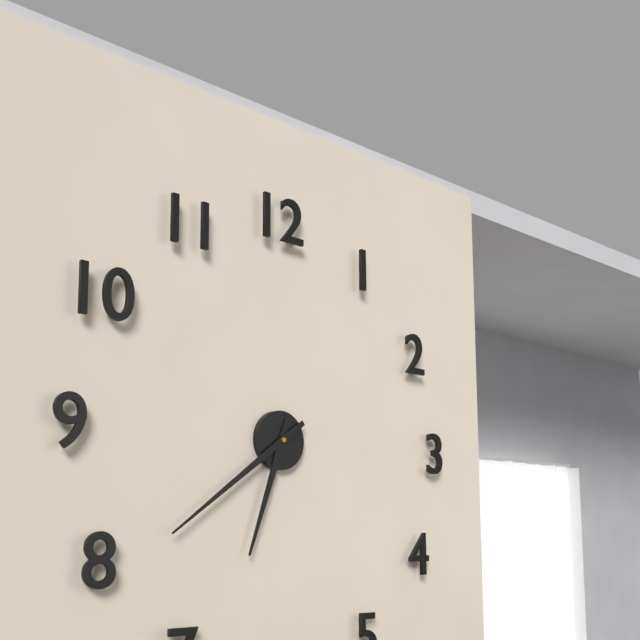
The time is 6:39
